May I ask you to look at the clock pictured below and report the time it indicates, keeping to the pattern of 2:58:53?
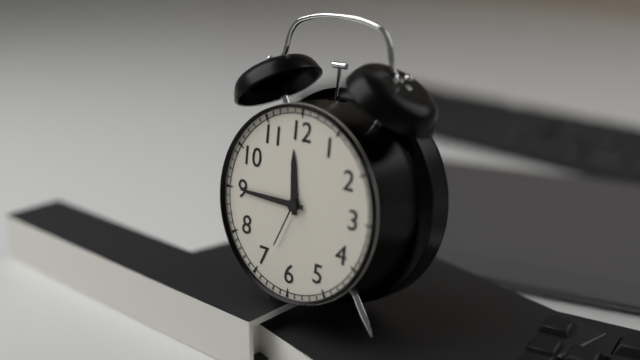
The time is 11:45:34
